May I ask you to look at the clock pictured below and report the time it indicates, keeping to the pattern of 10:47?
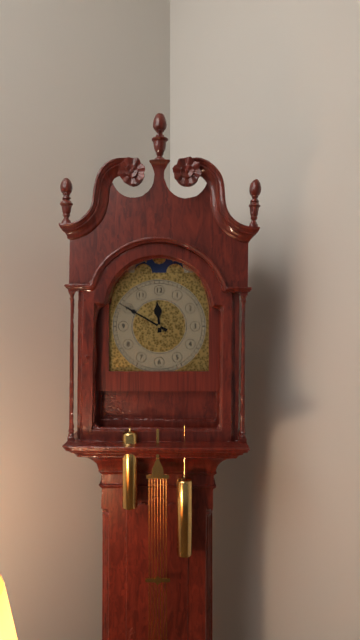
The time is 11:50
